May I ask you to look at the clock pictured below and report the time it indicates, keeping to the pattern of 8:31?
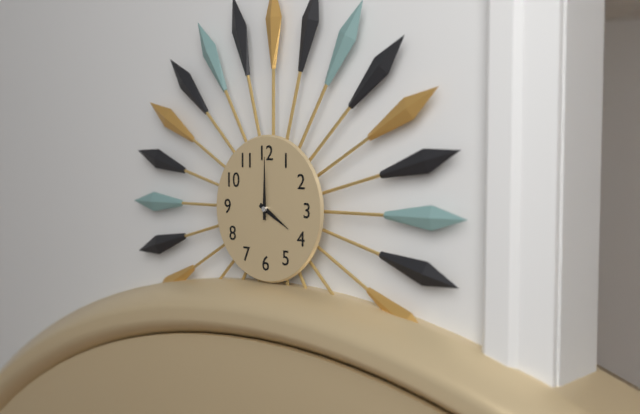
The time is 4:00
